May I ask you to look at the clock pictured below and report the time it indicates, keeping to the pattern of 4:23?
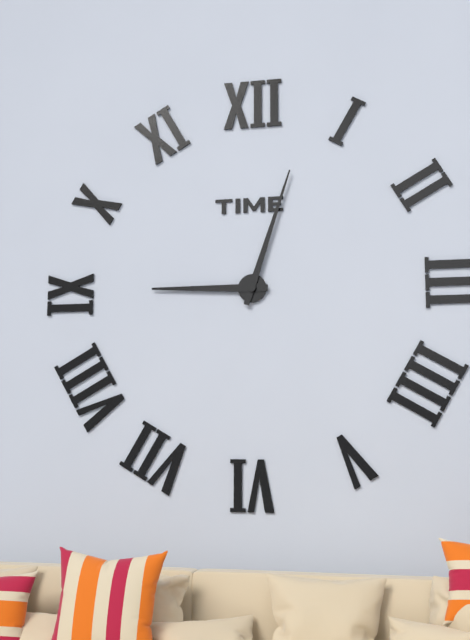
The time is 9:03
